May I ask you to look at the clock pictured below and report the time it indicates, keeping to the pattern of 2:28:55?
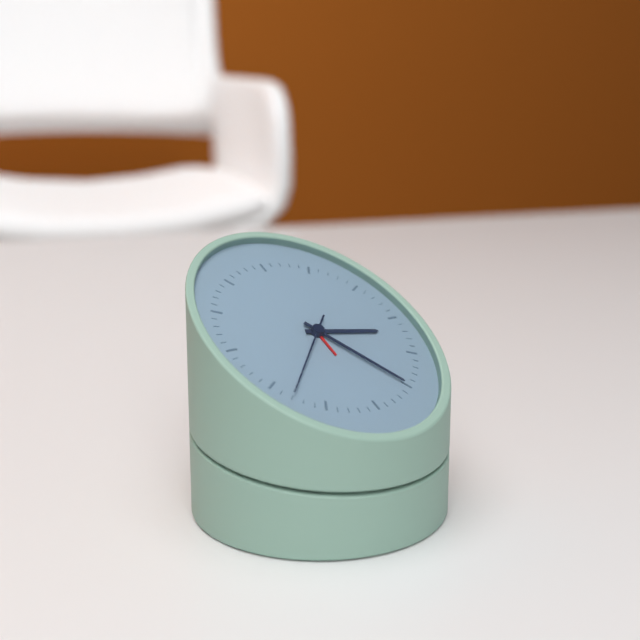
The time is 3:25:38
